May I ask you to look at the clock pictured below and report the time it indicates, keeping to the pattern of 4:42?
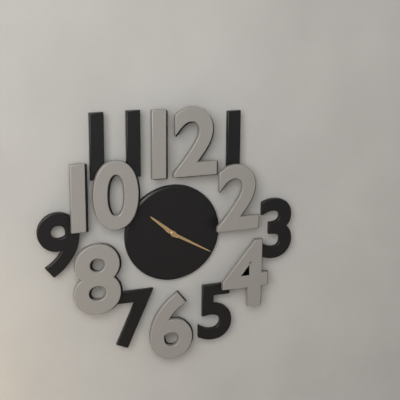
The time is 10:20
